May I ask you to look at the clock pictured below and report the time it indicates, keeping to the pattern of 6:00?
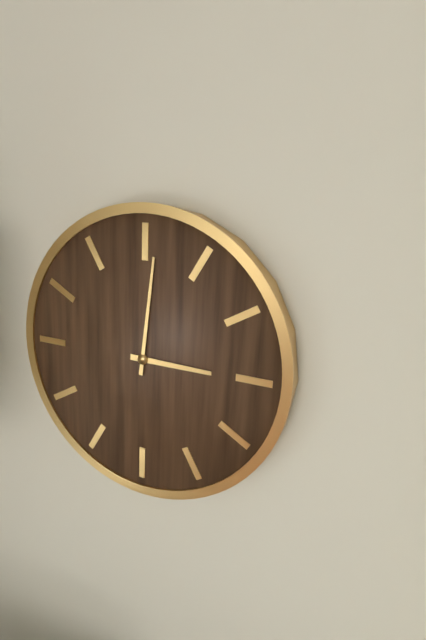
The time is 3:01
